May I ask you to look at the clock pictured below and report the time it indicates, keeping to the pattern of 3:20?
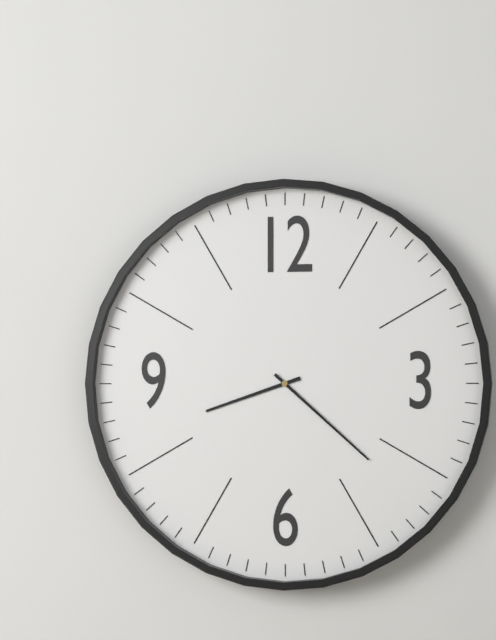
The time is 8:22
